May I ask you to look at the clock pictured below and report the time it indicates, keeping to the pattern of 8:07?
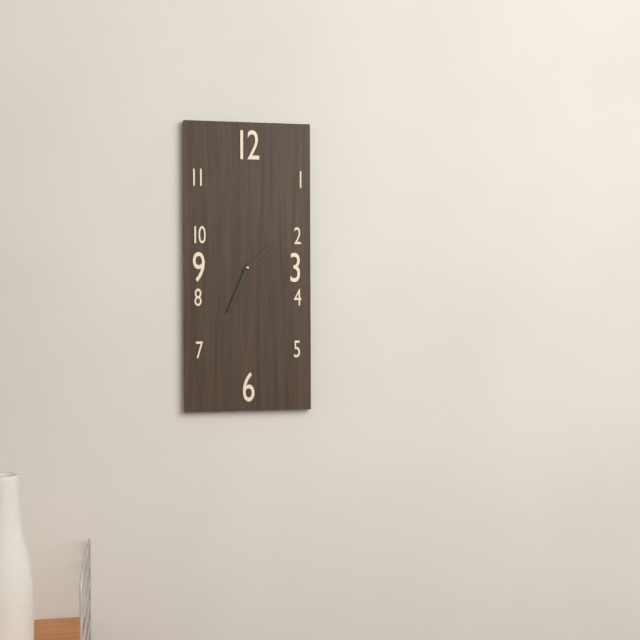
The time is 1:34
